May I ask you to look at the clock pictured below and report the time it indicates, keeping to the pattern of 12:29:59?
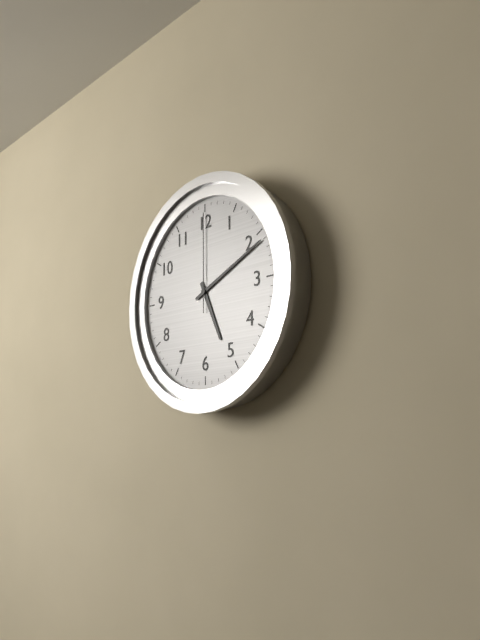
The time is 5:11:00
